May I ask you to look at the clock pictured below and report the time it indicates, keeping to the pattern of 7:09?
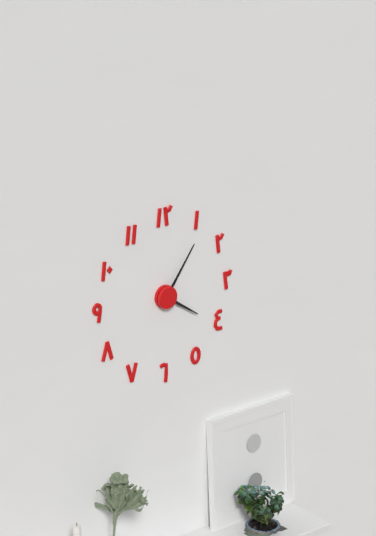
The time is 4:06
